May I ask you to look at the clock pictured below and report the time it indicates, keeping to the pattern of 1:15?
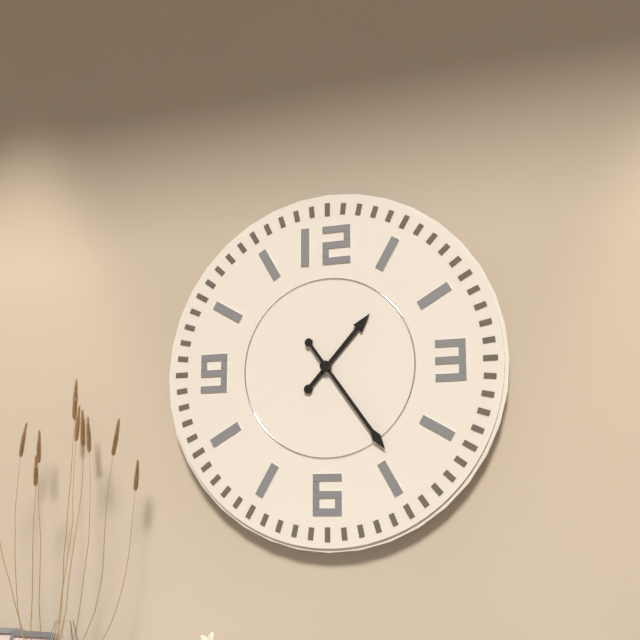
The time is 1:24
